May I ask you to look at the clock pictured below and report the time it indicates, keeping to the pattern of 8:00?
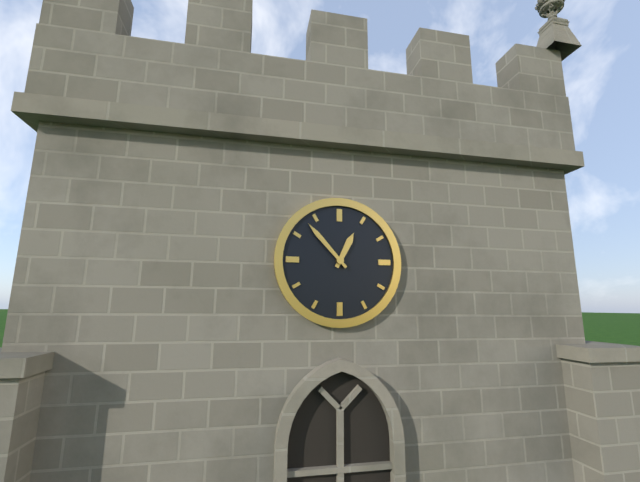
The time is 12:53
